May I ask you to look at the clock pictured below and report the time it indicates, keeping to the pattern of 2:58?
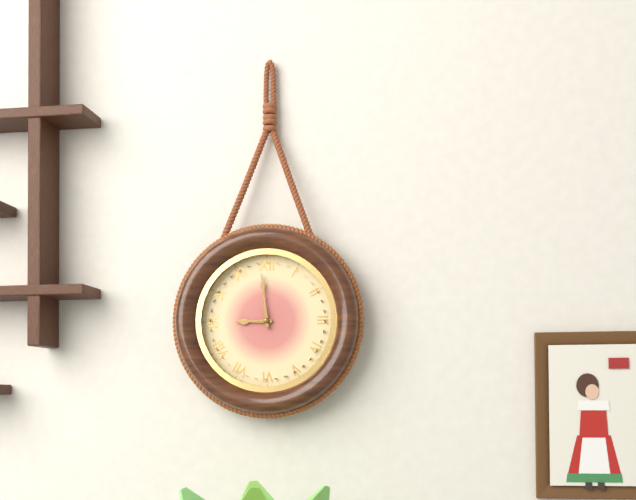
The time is 8:59
